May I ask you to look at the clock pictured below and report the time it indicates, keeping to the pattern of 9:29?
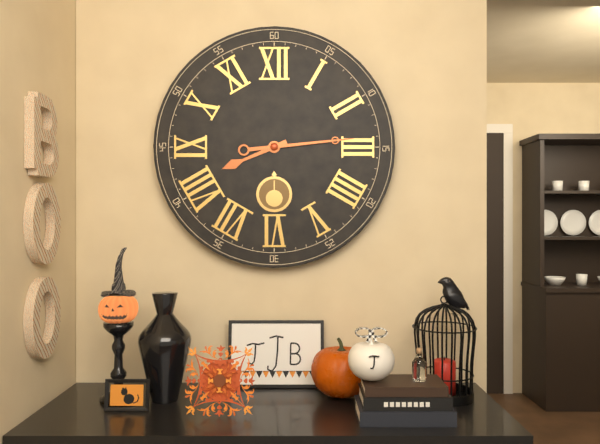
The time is 8:14
